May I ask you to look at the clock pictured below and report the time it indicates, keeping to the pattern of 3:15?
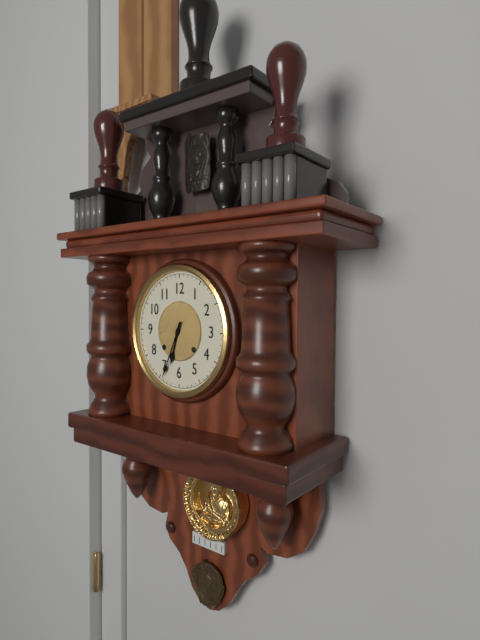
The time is 6:34
